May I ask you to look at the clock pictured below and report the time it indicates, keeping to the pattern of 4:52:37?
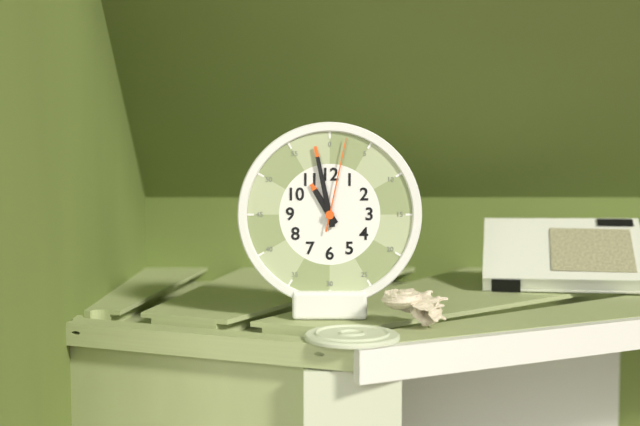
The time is 10:58:02
